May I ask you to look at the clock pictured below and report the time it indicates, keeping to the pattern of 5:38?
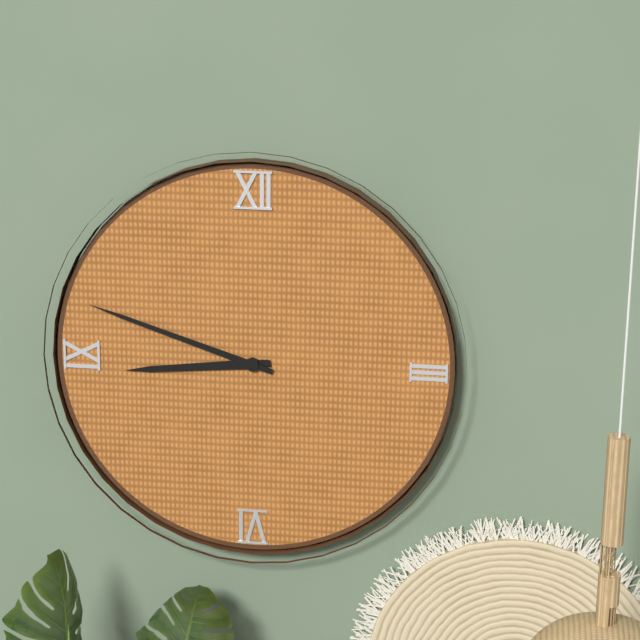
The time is 8:48
